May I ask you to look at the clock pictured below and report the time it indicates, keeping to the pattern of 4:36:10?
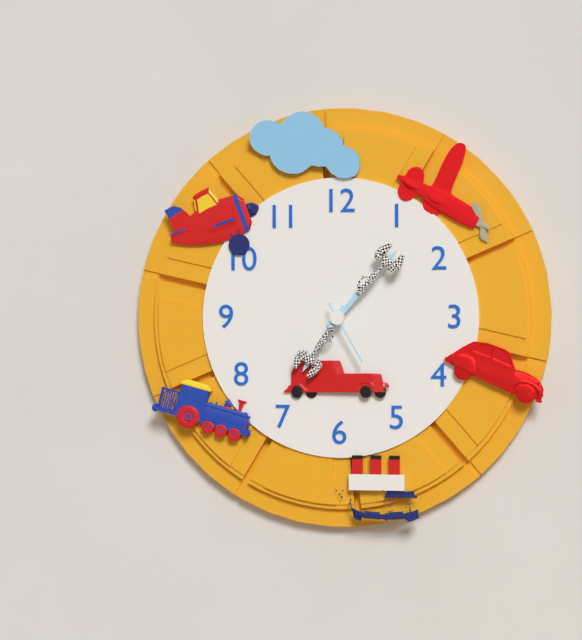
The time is 7:07:25
